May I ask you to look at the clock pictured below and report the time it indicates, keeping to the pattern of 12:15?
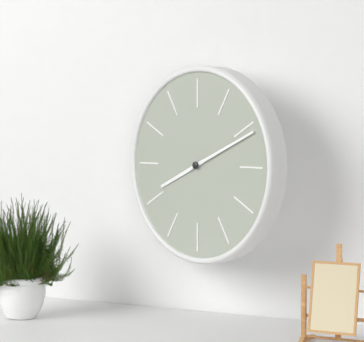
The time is 8:11
